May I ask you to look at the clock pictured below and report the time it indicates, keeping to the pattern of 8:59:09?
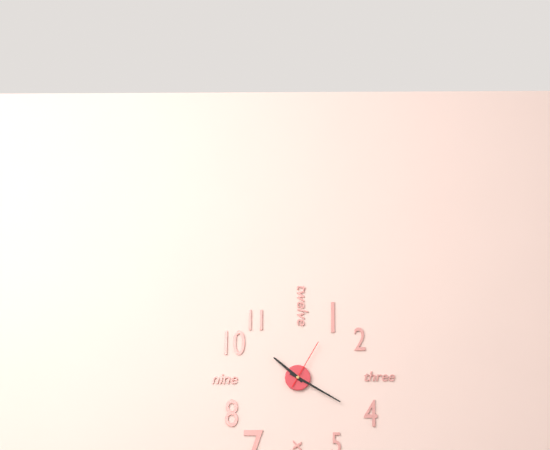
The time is 10:20:05
